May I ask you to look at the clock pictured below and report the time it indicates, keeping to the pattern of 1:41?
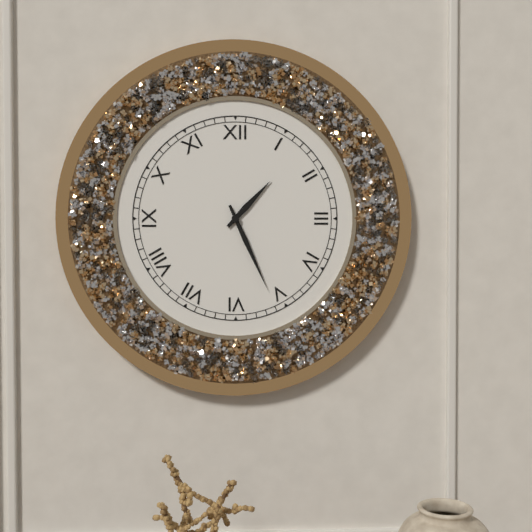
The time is 1:26
